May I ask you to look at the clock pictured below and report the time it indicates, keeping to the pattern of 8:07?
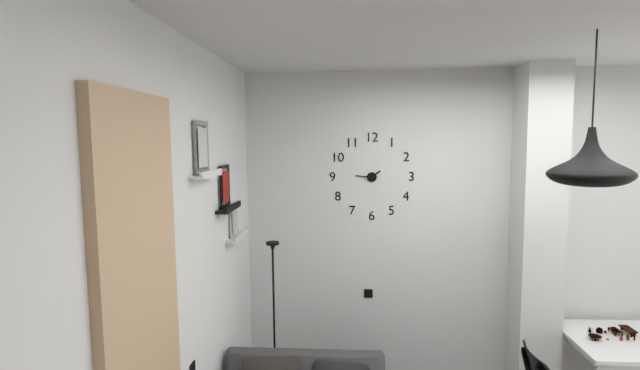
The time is 1:46
